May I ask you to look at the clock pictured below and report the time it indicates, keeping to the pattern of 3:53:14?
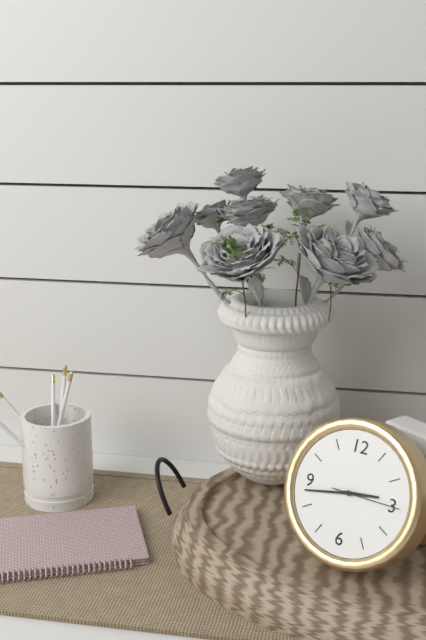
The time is 2:43:15
